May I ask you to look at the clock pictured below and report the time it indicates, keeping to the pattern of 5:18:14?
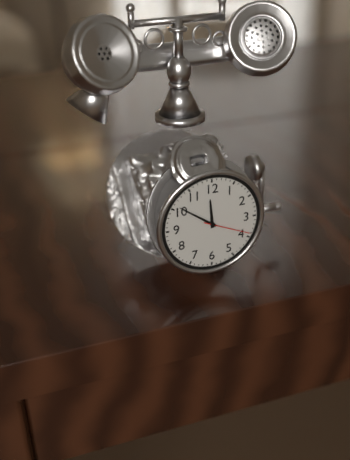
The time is 11:51:19
